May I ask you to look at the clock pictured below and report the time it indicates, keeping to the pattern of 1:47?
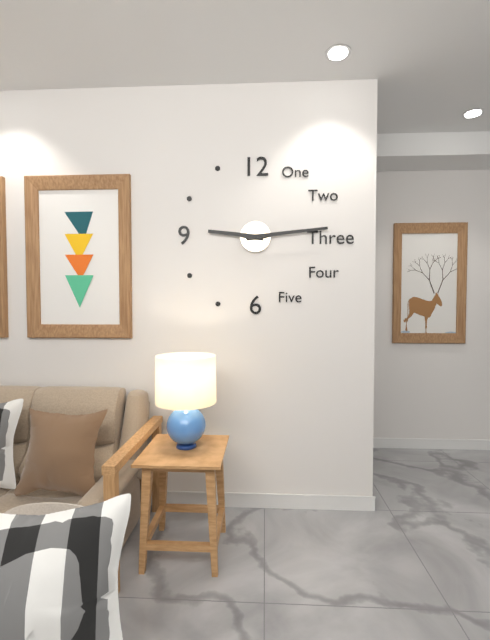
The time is 9:14
